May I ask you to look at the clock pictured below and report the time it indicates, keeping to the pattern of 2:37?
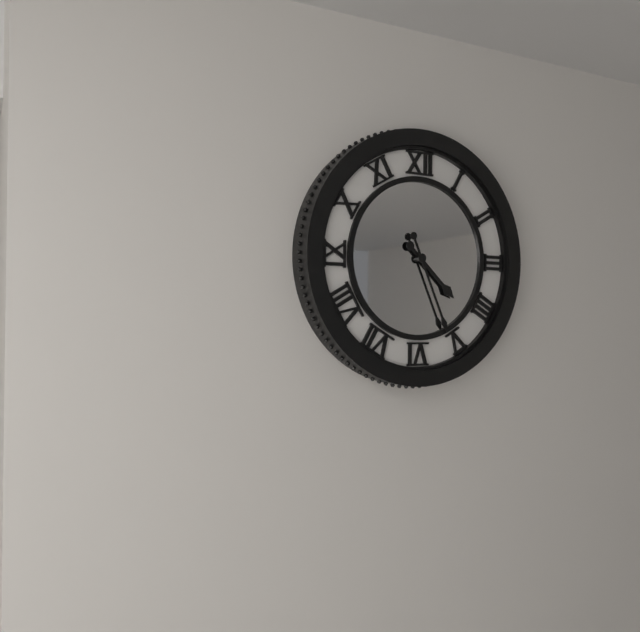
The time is 4:26
